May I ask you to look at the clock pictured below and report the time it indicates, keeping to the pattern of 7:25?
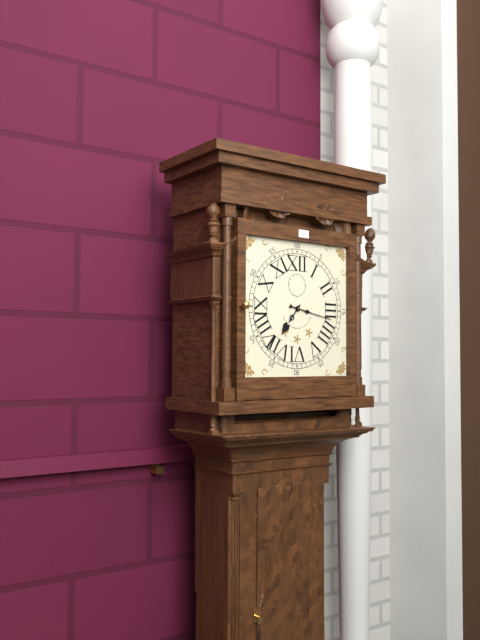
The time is 7:17
